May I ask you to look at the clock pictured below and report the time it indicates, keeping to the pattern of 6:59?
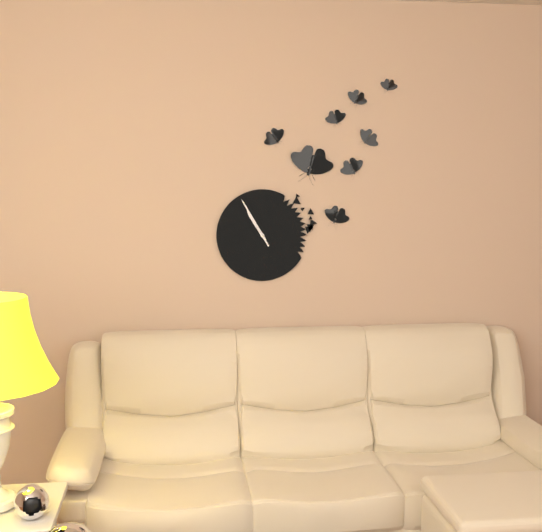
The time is 10:55
